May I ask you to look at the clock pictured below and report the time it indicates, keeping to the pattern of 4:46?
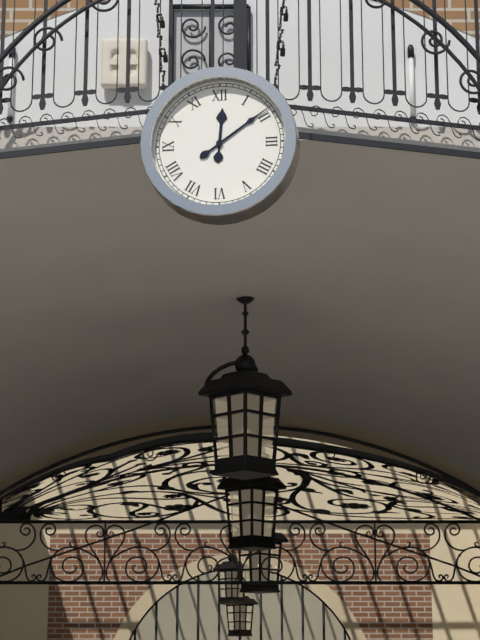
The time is 12:09
